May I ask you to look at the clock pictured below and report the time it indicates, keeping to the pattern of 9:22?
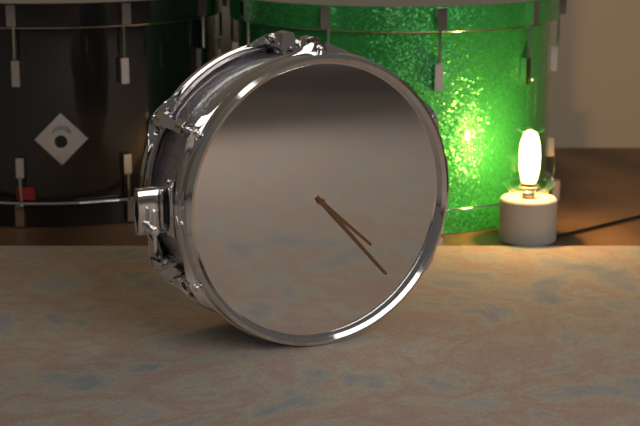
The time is 4:23
